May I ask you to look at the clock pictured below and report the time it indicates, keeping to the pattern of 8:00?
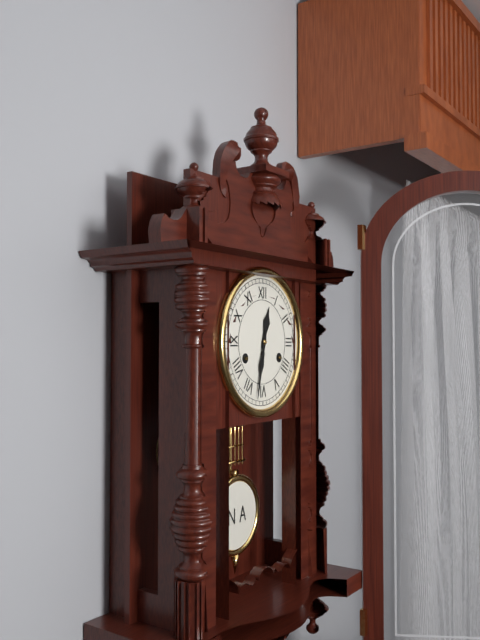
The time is 12:32
